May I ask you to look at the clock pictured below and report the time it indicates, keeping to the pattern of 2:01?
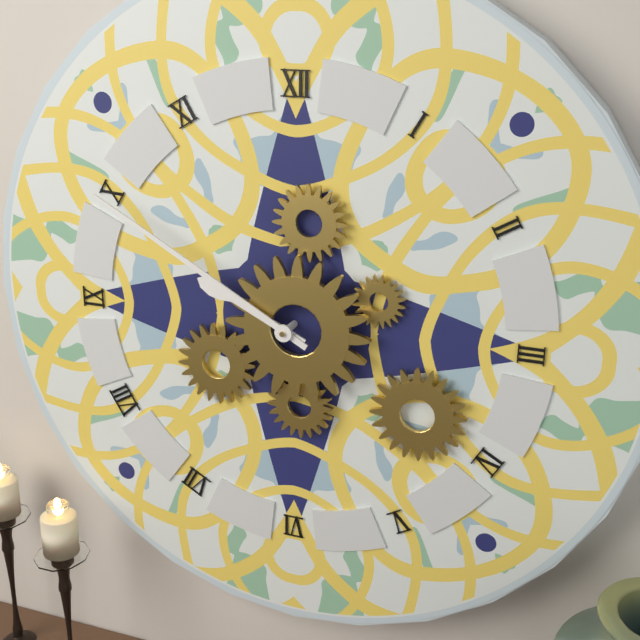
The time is 9:50
